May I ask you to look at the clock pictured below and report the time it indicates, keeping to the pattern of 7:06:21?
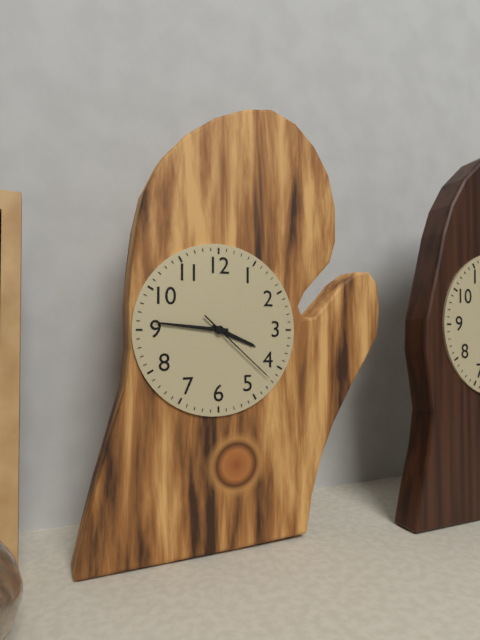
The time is 3:46:22
